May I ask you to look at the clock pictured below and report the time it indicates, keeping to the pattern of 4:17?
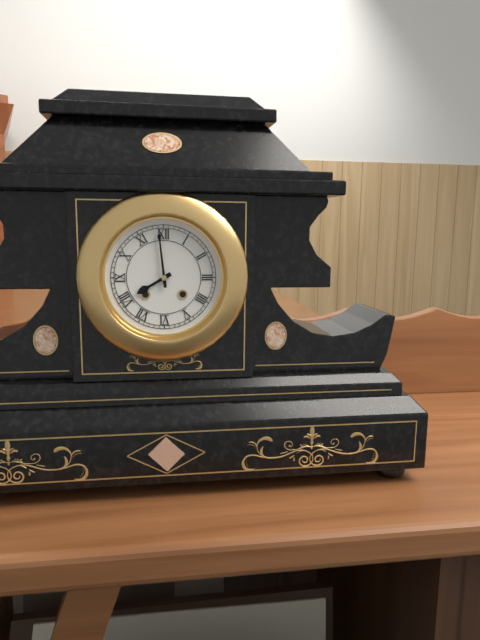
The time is 7:59
